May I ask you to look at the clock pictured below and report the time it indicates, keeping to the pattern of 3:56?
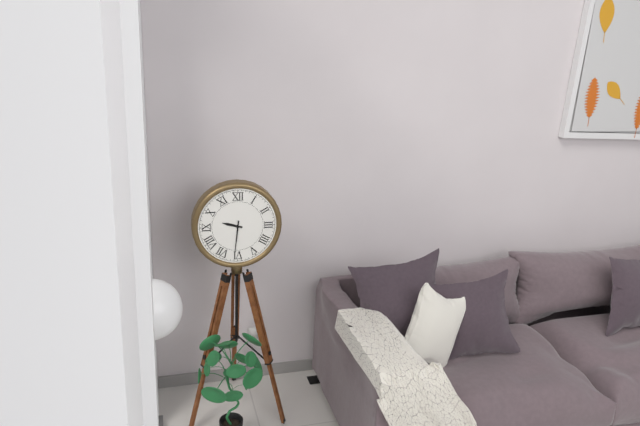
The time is 9:31
